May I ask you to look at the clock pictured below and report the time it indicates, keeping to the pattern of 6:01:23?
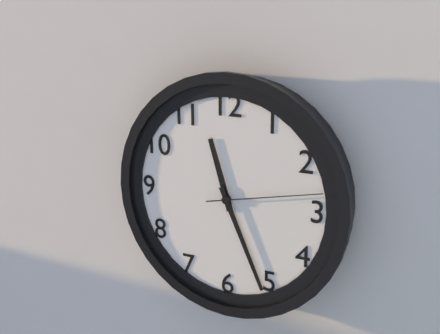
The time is 11:26:13
